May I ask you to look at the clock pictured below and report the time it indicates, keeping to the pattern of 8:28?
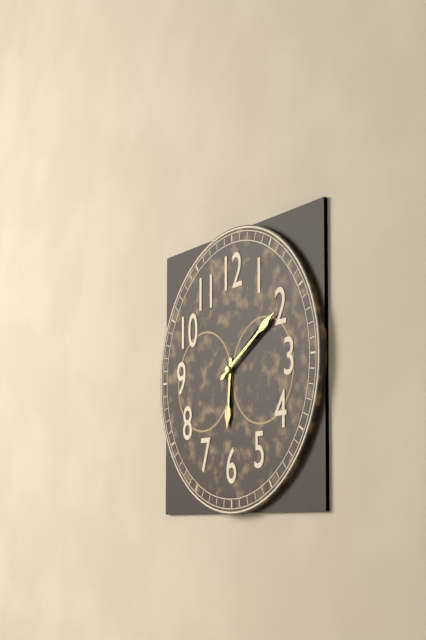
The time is 6:10
